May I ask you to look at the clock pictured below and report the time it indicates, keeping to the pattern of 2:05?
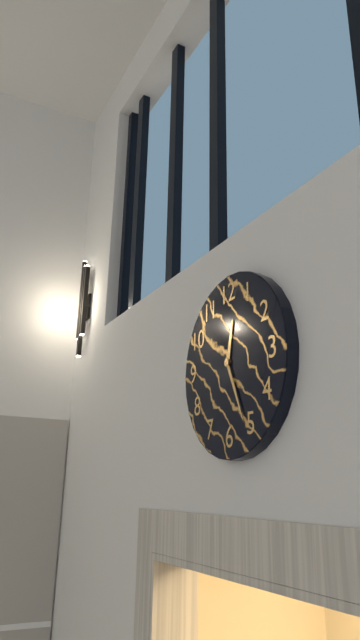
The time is 12:26
